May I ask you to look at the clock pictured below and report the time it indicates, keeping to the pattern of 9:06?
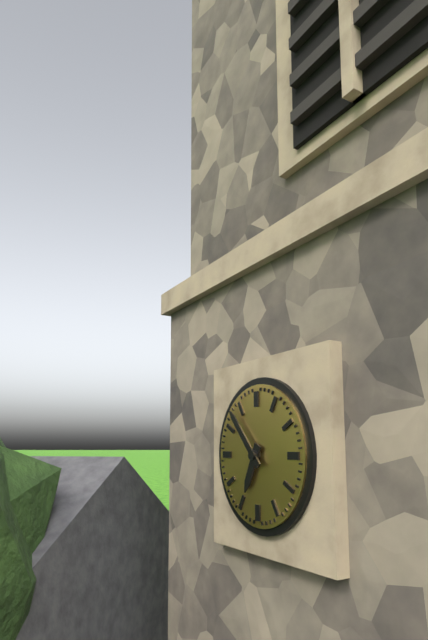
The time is 6:53
